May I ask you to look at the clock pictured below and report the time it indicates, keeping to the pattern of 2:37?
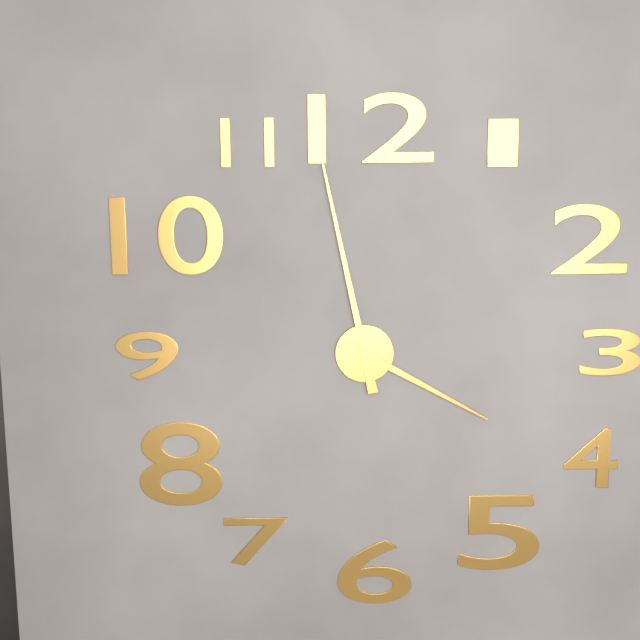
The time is 3:58
